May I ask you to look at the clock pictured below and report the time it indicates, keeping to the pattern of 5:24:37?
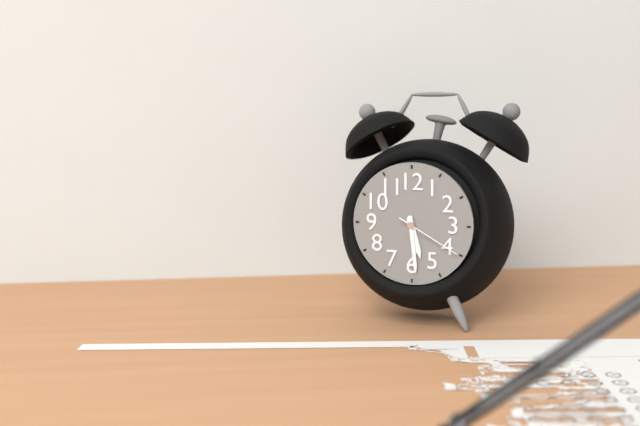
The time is 5:29:20
